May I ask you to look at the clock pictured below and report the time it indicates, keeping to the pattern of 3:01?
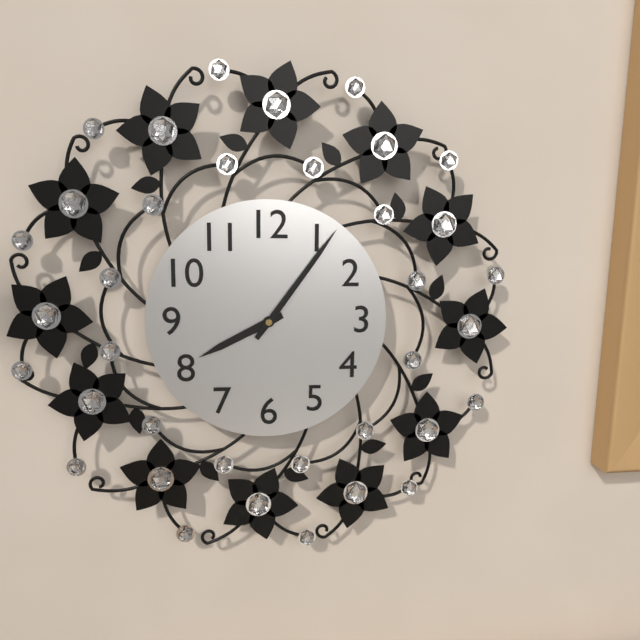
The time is 8:06
